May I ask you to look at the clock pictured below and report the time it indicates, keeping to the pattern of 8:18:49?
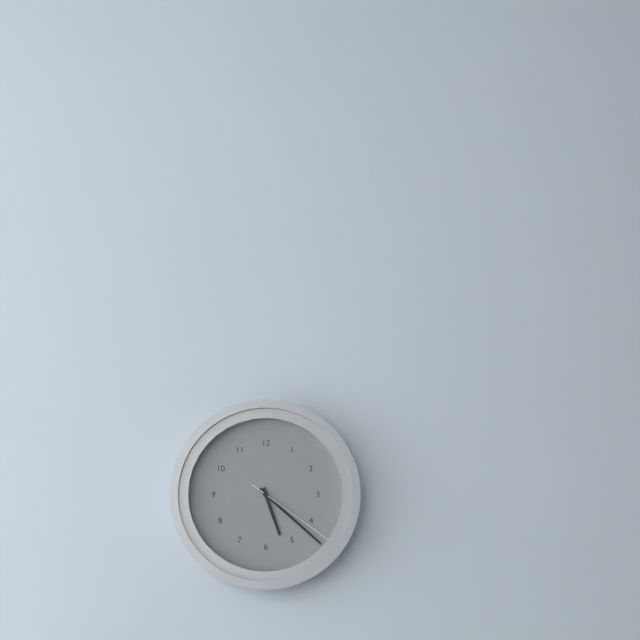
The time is 5:22:21
